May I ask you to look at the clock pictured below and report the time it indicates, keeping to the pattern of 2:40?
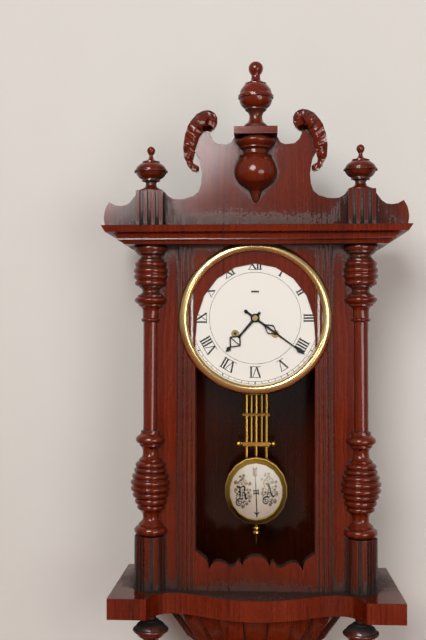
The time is 7:21
